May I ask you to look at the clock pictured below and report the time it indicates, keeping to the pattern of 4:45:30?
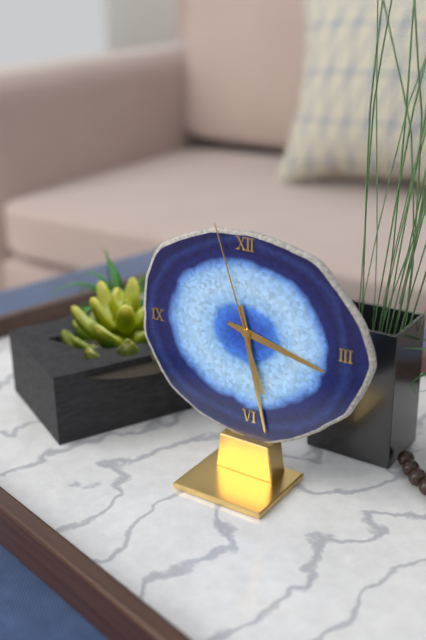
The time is 3:28:57
